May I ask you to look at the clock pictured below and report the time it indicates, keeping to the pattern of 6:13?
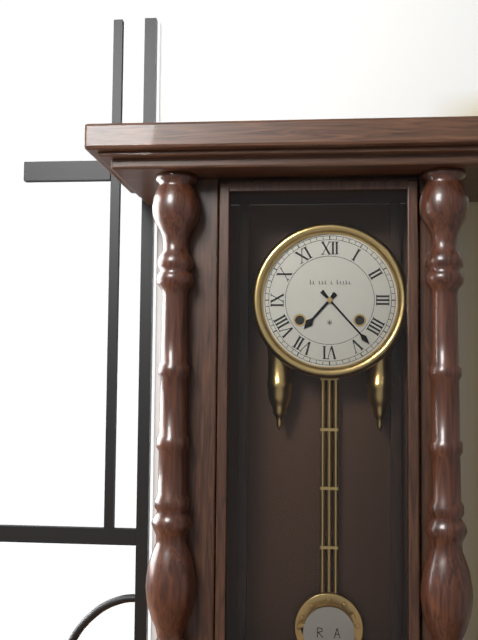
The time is 7:23
